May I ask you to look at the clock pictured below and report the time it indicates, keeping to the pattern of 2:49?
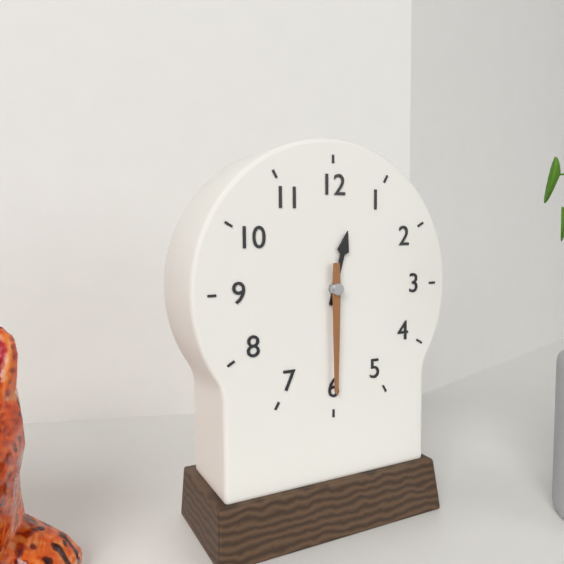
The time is 12:30
